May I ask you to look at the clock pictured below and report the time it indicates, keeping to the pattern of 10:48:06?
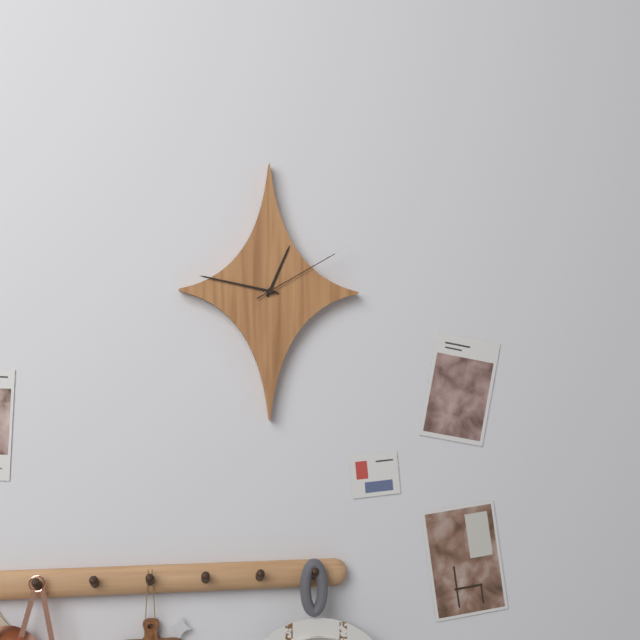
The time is 12:47:10
